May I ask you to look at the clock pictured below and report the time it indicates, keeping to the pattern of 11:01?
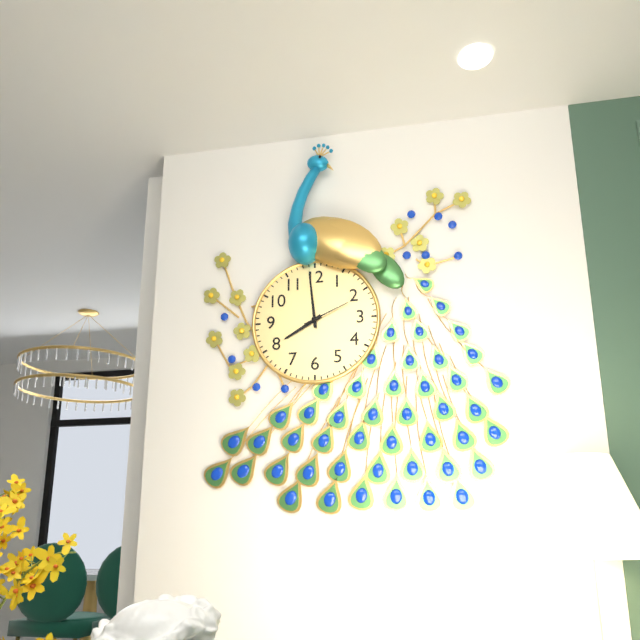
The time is 7:59
